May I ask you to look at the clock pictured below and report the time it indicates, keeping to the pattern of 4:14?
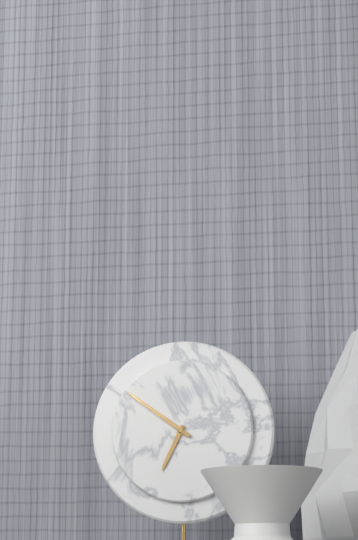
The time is 6:51
